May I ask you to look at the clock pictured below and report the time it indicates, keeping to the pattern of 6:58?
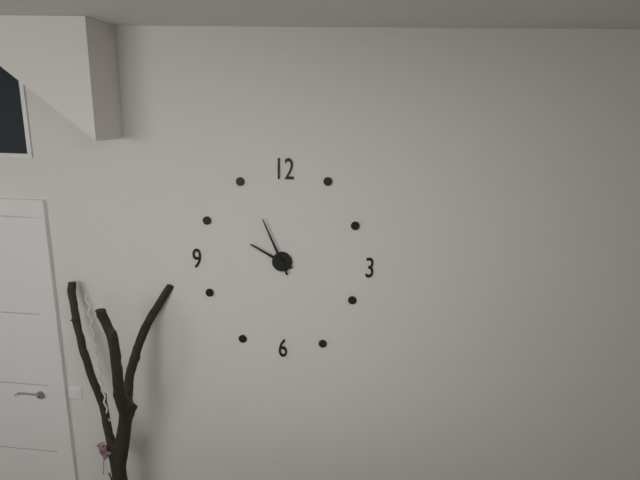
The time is 9:56
